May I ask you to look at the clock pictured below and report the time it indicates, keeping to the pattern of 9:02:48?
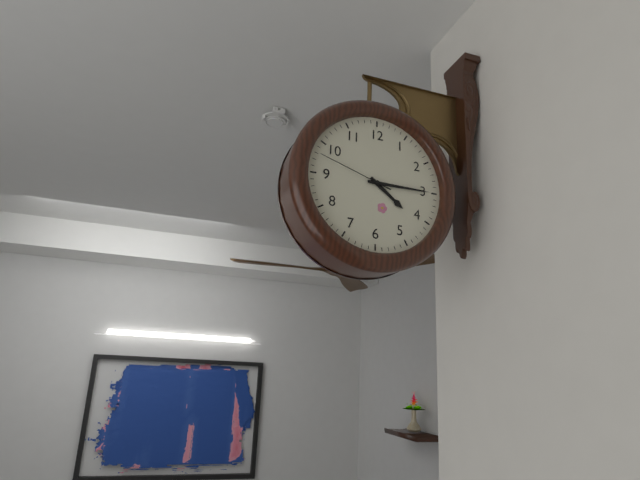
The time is 4:15:48
